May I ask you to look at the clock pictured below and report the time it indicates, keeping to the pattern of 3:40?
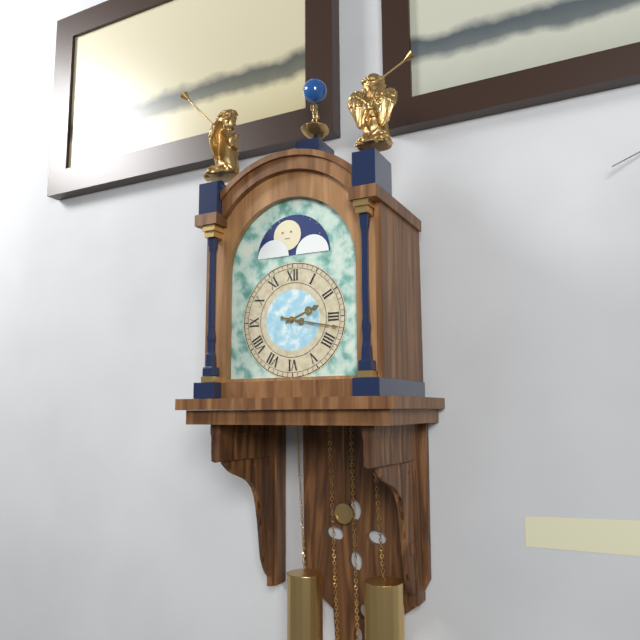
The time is 2:17
